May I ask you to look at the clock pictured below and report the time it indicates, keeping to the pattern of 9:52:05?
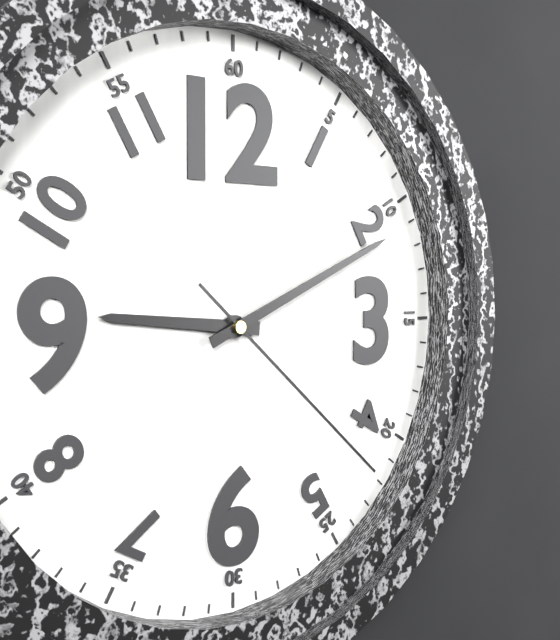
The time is 9:11:22
